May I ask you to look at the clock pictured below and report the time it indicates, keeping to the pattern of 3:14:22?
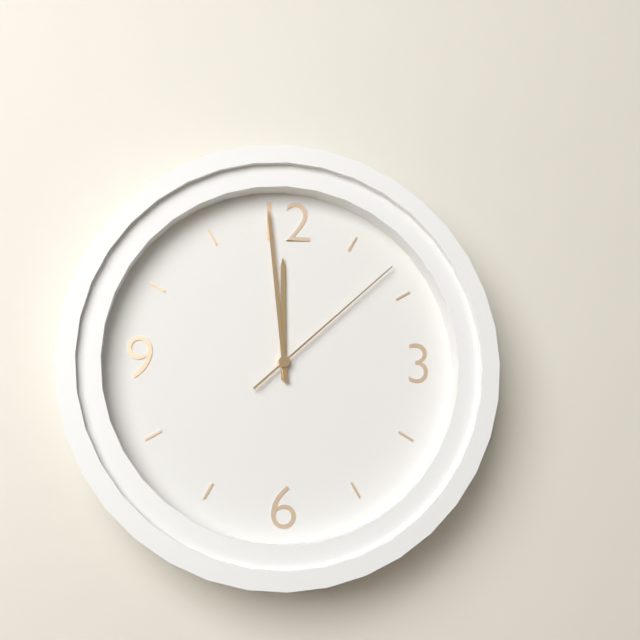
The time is 11:59:08
